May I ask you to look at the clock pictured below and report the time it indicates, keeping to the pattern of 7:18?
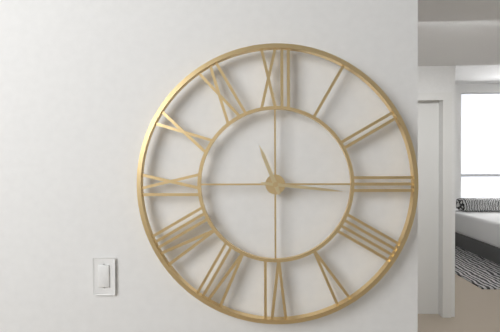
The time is 11:16
